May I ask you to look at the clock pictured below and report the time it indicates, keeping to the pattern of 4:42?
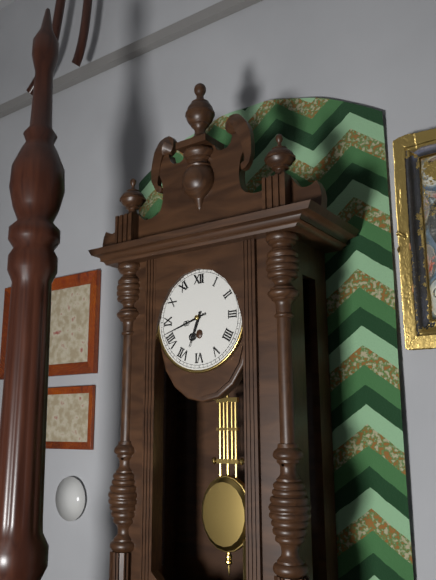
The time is 6:42
